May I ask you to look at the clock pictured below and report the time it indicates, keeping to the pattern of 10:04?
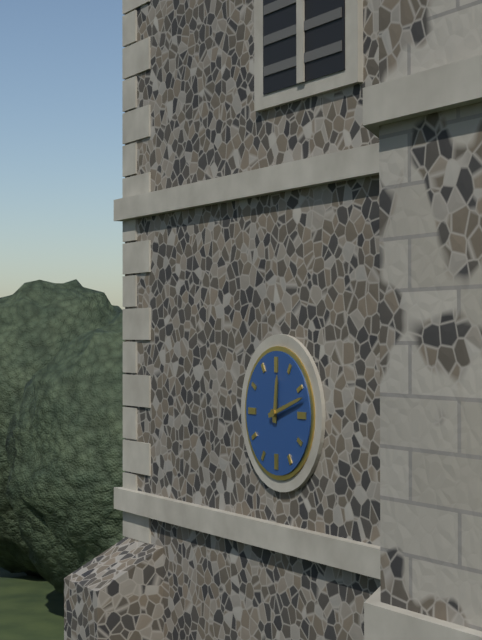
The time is 12:12
